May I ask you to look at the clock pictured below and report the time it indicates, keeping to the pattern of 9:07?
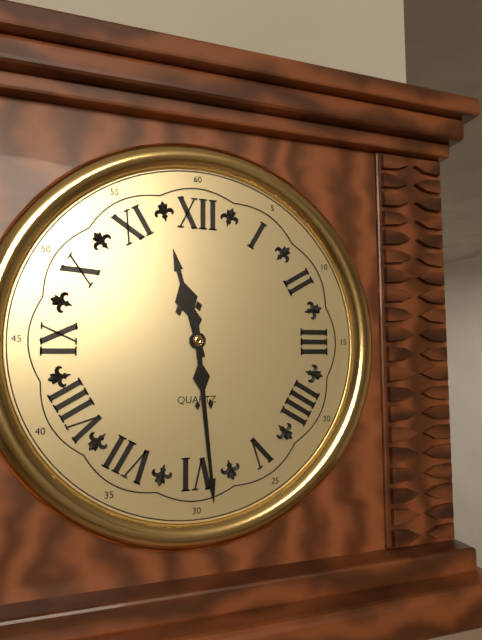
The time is 11:29
